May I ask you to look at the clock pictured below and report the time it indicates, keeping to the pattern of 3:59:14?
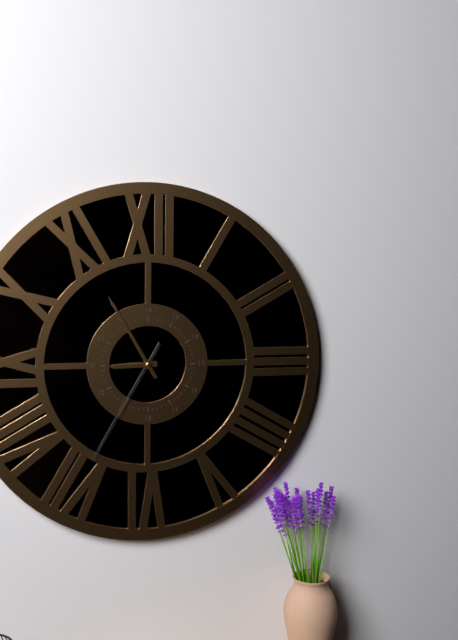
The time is 8:55:35
